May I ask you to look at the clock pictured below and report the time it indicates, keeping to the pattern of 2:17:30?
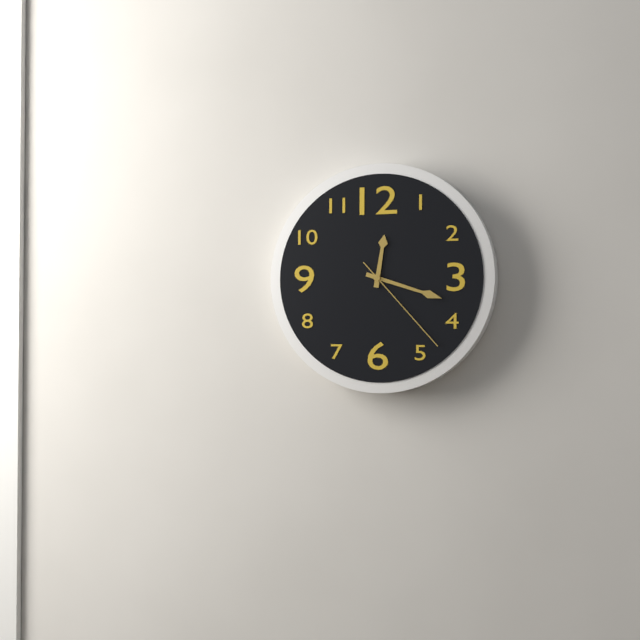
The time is 12:18:23
